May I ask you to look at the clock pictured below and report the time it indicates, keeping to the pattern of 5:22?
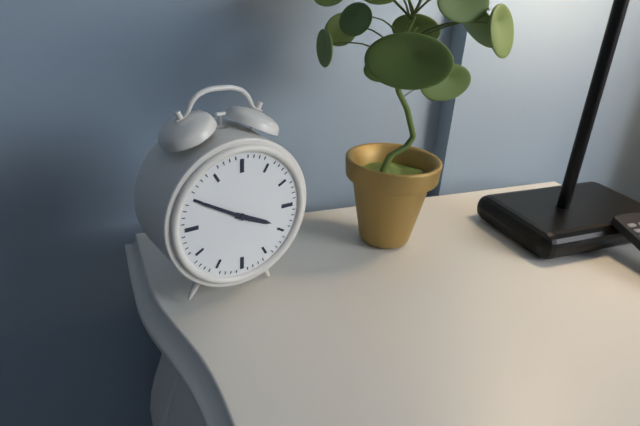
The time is 3:50
